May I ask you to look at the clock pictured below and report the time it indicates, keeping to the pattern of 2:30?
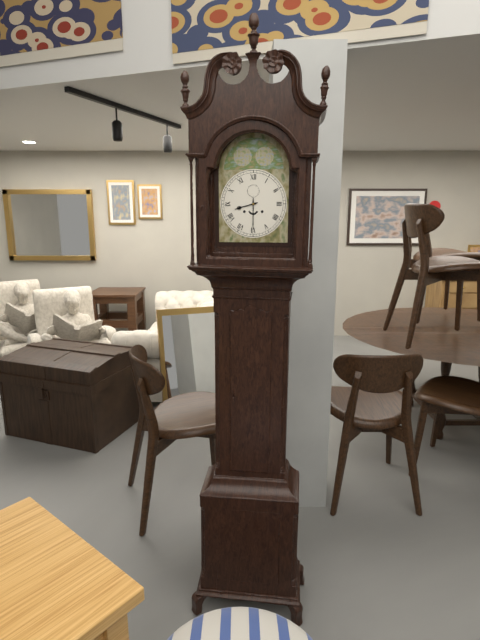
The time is 8:30
